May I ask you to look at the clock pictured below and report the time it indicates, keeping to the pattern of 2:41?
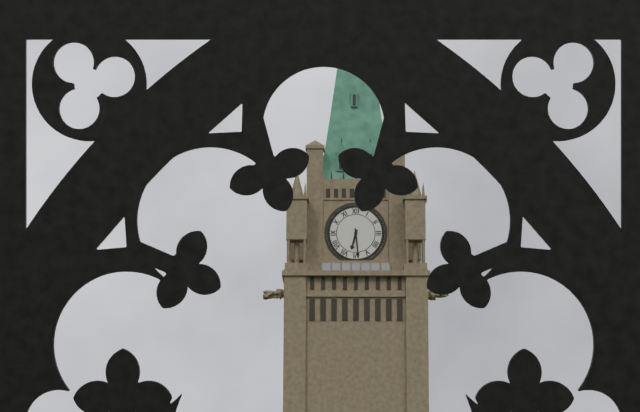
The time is 6:29
